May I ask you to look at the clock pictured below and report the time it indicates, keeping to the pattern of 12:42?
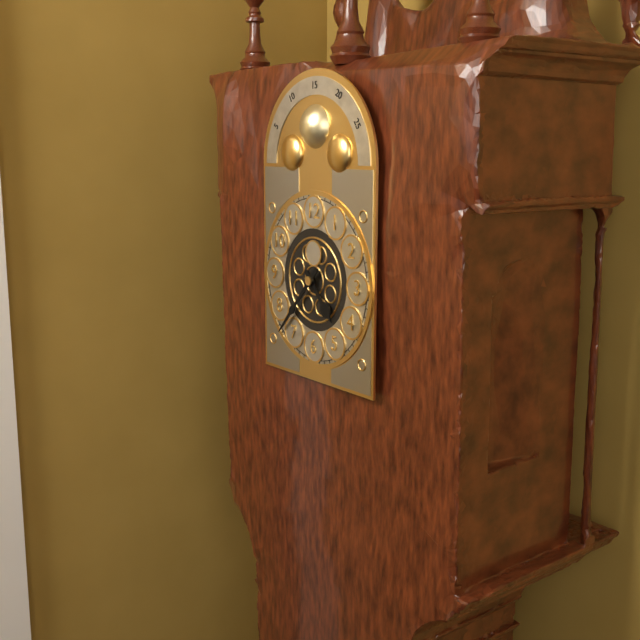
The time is 4:37
